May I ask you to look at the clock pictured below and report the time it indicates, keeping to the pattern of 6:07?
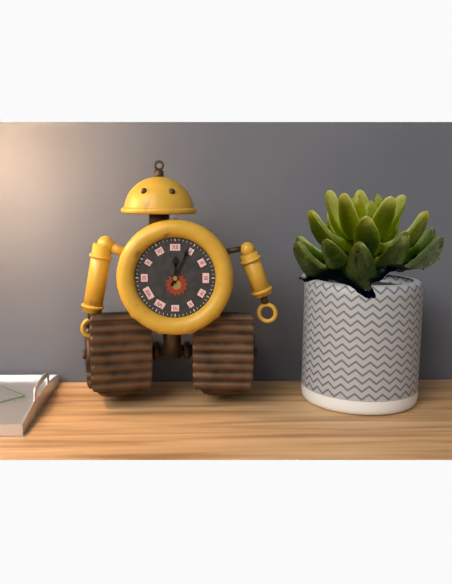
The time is 12:04
